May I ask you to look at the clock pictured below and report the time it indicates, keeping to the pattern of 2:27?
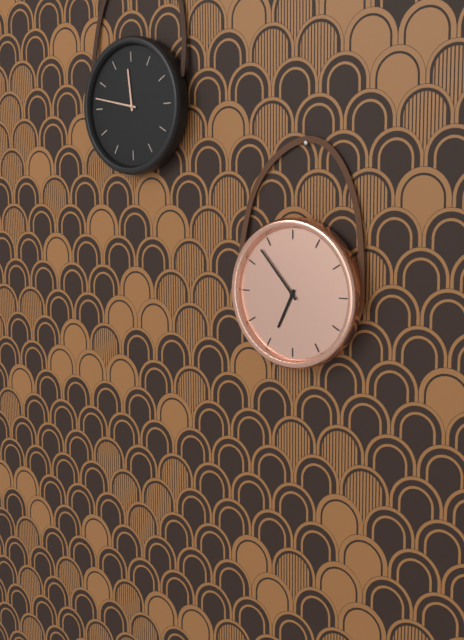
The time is 6:53
